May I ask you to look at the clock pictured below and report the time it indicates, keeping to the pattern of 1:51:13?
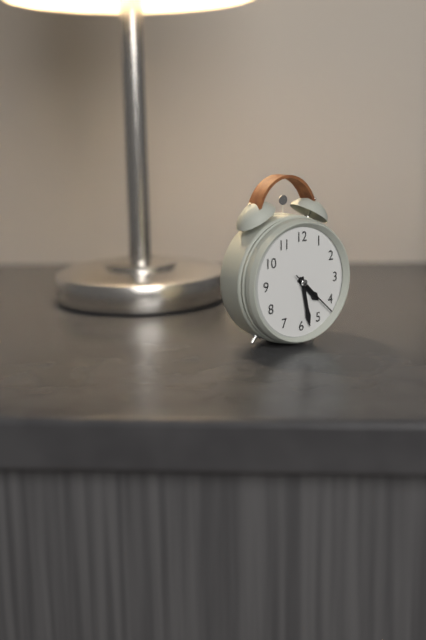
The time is 4:28:22
